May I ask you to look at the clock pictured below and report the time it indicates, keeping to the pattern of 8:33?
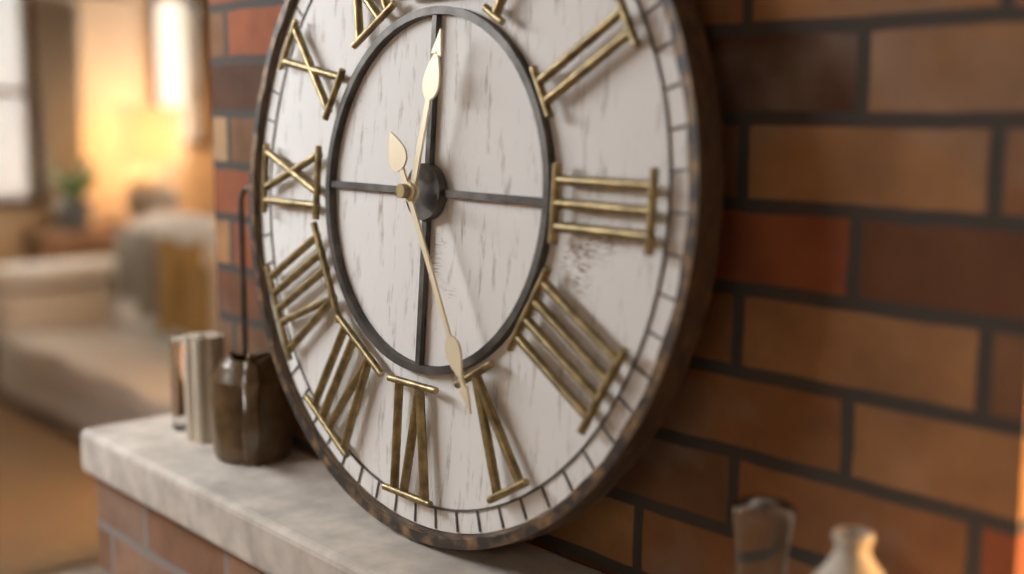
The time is 12:25
